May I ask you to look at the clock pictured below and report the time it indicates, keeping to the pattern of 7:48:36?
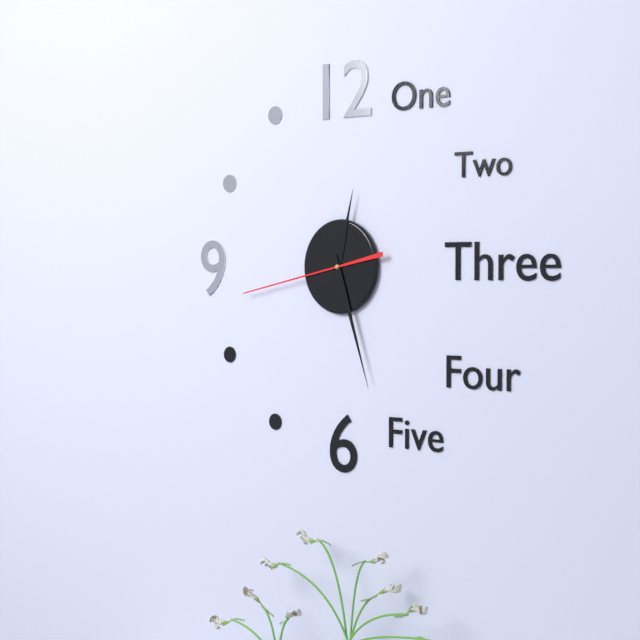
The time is 12:27:43
